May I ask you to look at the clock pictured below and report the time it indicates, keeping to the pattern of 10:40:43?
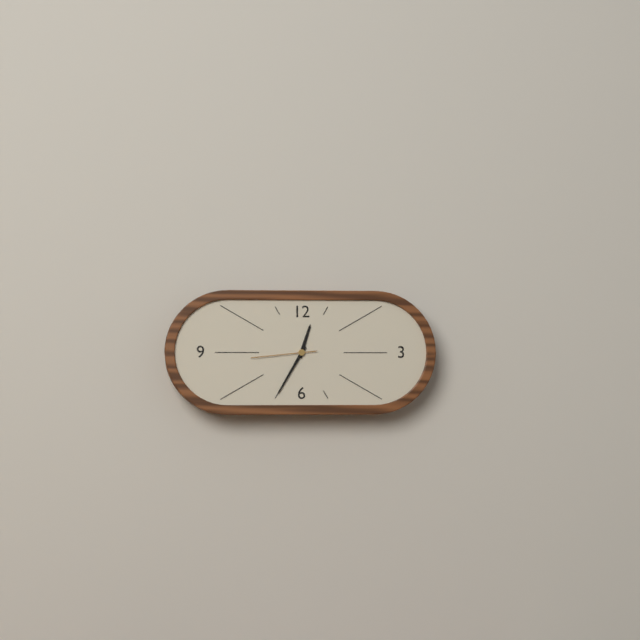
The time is 12:35:44
